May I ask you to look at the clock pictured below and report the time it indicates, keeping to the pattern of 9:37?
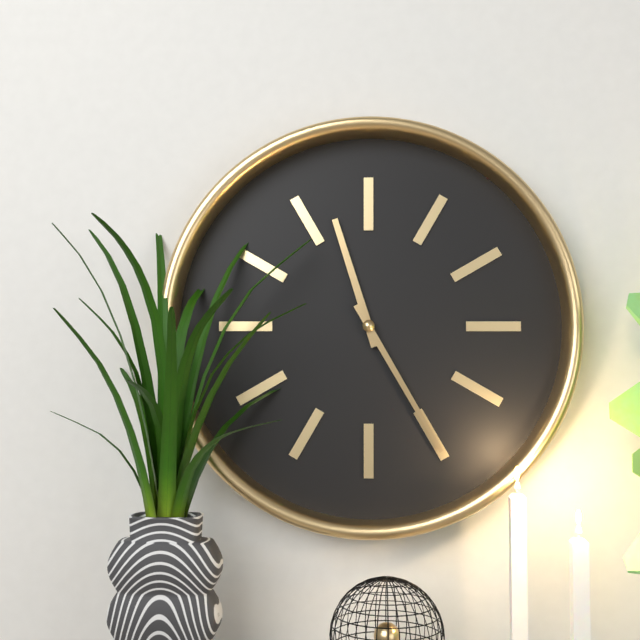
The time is 11:25
